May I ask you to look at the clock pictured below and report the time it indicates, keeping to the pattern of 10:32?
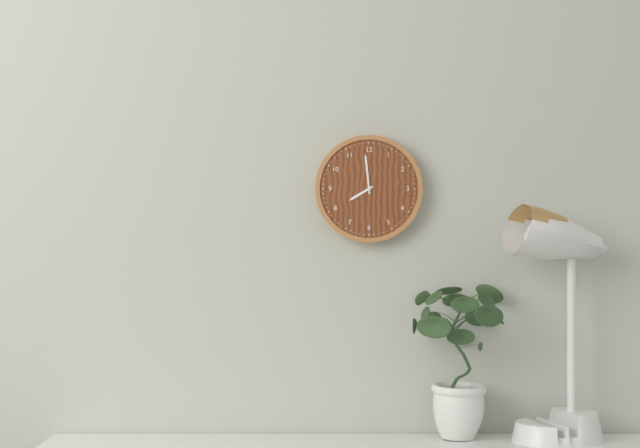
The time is 7:59
